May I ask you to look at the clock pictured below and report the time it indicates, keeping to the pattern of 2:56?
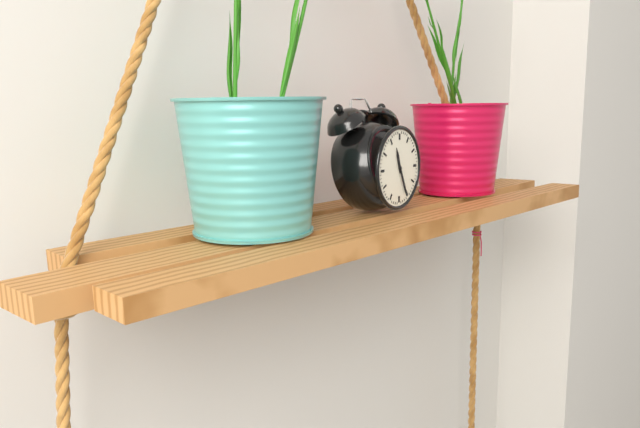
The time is 11:26
